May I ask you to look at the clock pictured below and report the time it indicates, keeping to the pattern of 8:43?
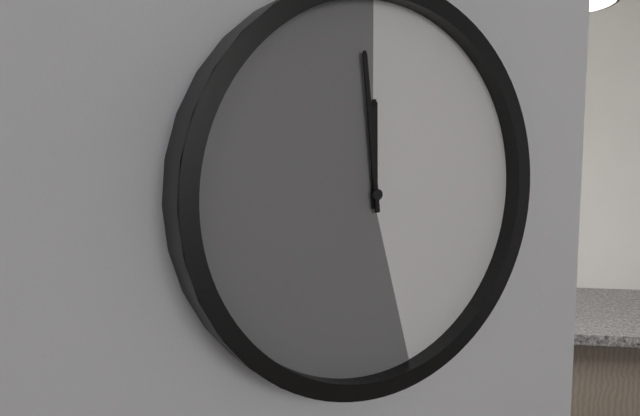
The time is 11:59
